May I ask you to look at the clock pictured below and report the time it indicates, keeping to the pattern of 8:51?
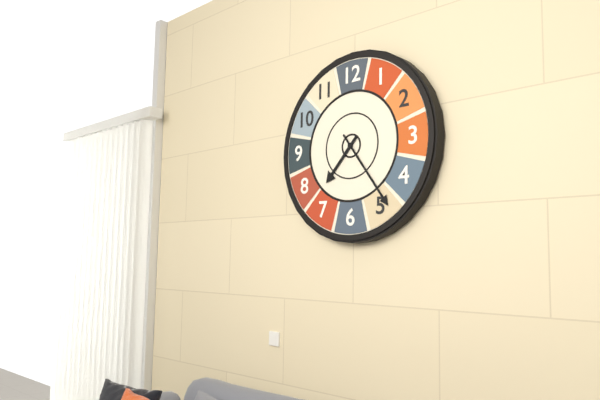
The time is 7:24
